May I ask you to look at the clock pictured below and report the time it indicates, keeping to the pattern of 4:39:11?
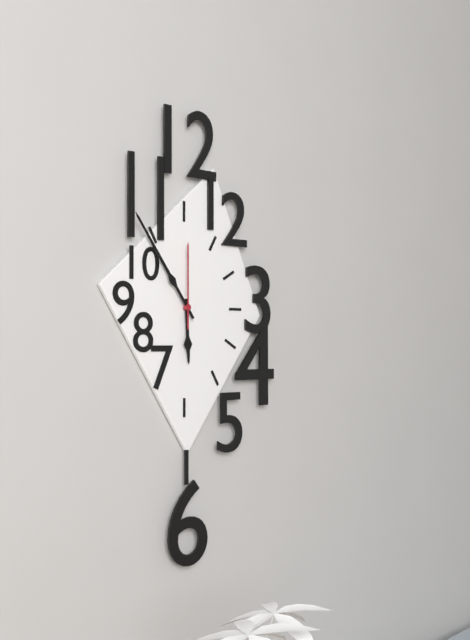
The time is 5:54:00
